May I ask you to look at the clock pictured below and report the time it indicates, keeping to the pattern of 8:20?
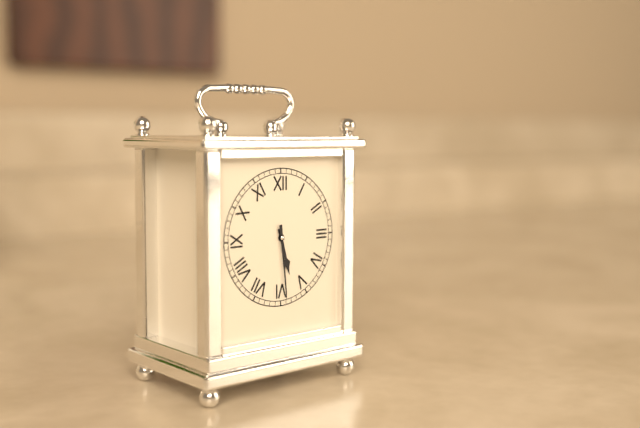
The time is 5:29
